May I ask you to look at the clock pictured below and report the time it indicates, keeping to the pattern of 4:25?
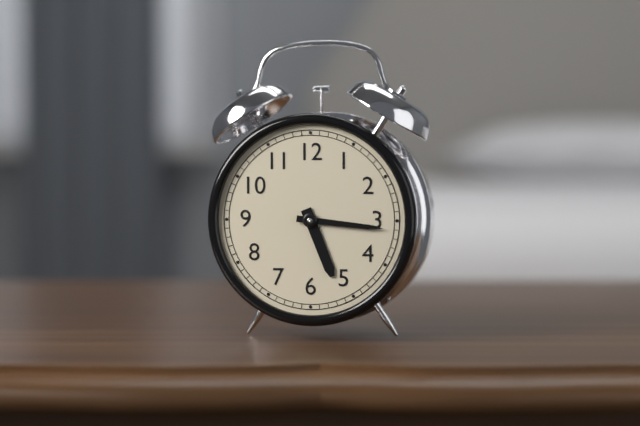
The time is 5:16
